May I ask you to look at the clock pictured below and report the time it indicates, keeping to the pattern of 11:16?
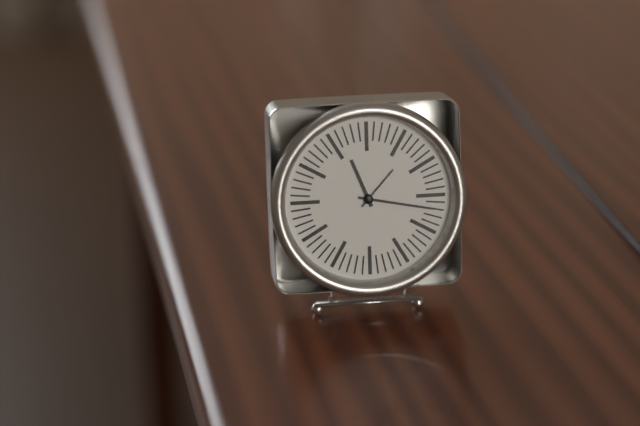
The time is 11:17
